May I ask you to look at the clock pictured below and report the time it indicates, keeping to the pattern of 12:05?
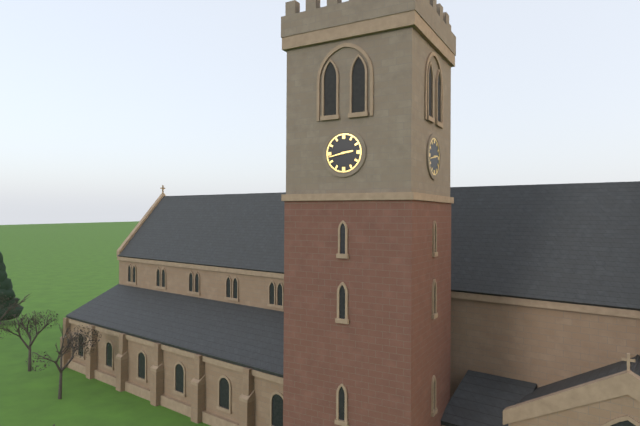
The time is 2:43
